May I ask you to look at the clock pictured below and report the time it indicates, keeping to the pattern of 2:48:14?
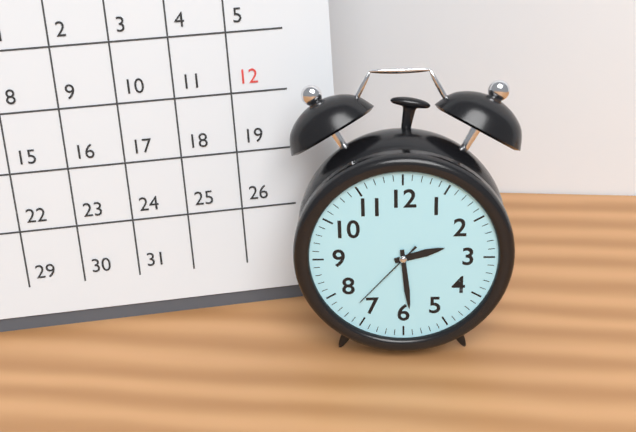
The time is 2:29:37
